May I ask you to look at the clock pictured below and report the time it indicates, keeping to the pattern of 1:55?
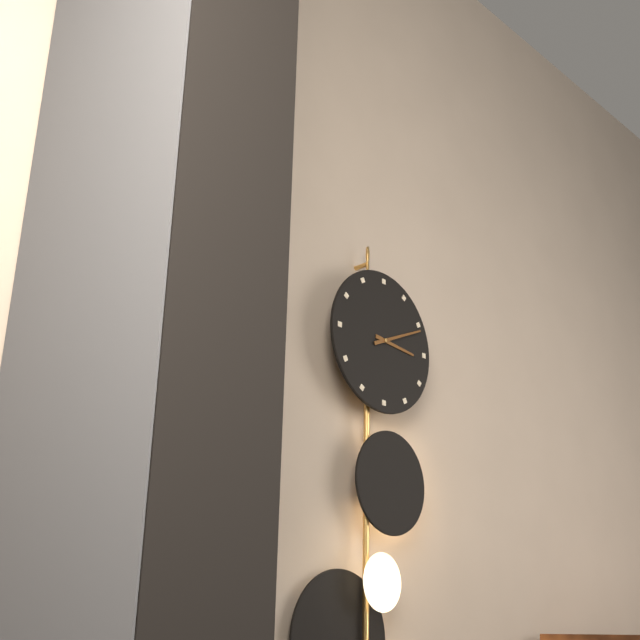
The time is 3:11
